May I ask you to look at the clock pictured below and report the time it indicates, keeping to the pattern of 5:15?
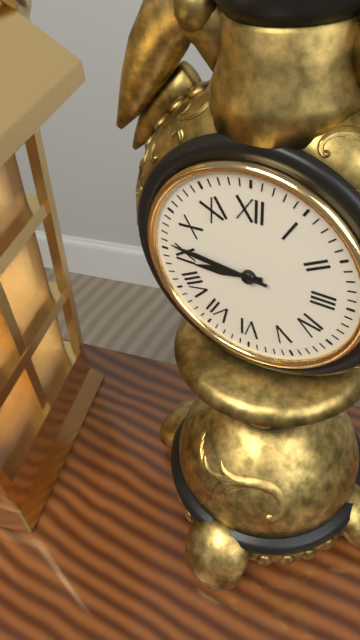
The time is 8:46
